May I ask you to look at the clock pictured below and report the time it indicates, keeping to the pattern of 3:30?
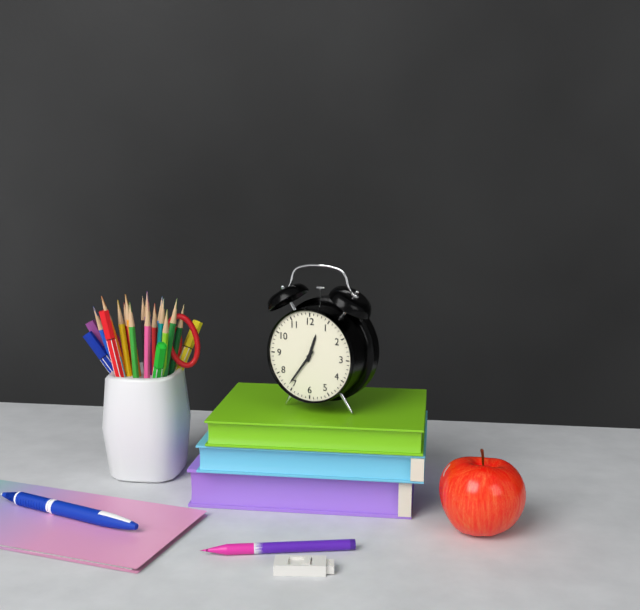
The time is 12:36
